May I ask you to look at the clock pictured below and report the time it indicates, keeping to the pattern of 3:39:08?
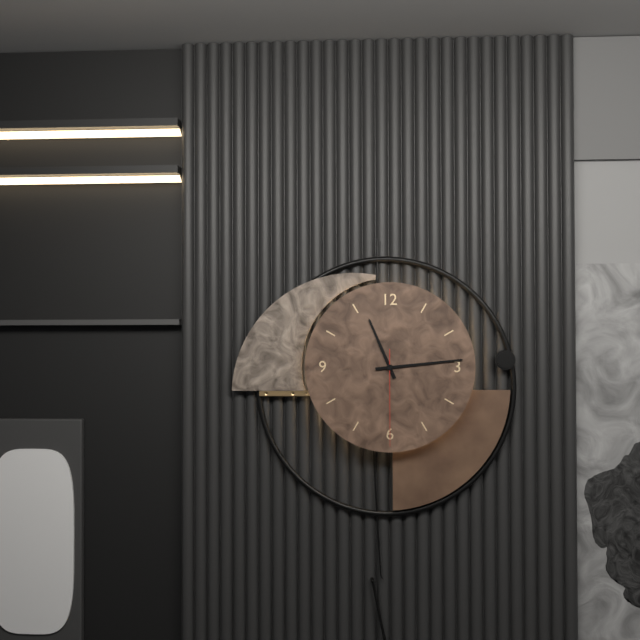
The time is 11:14:30
